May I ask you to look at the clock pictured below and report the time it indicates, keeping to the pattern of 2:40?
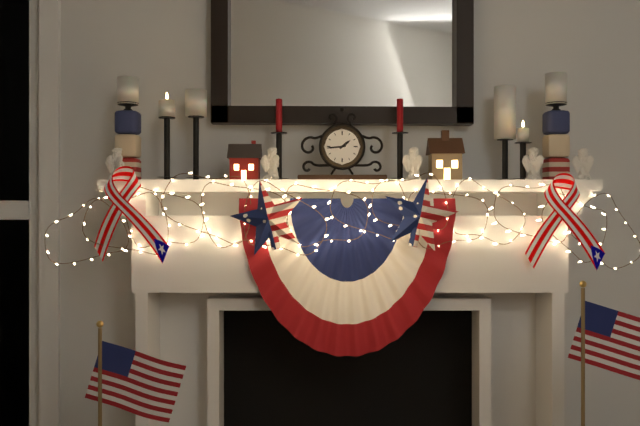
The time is 1:44
